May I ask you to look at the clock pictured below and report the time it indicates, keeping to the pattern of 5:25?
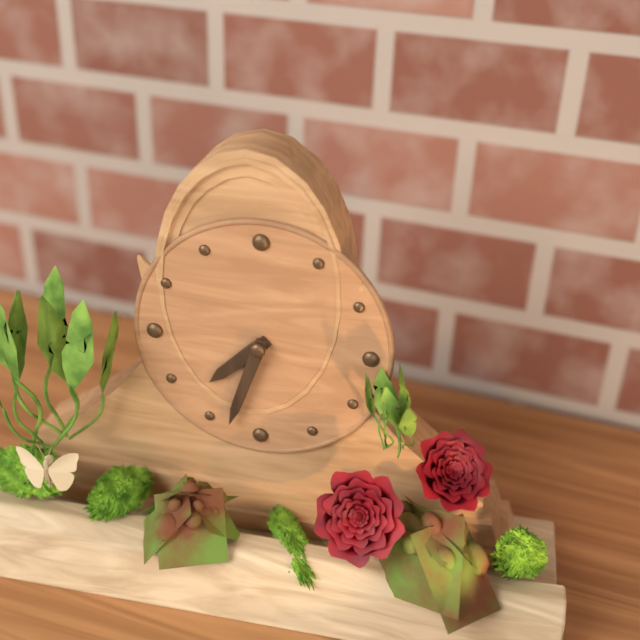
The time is 7:33
